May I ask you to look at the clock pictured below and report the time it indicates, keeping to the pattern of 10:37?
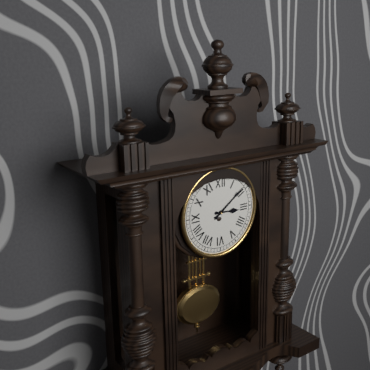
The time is 3:09
